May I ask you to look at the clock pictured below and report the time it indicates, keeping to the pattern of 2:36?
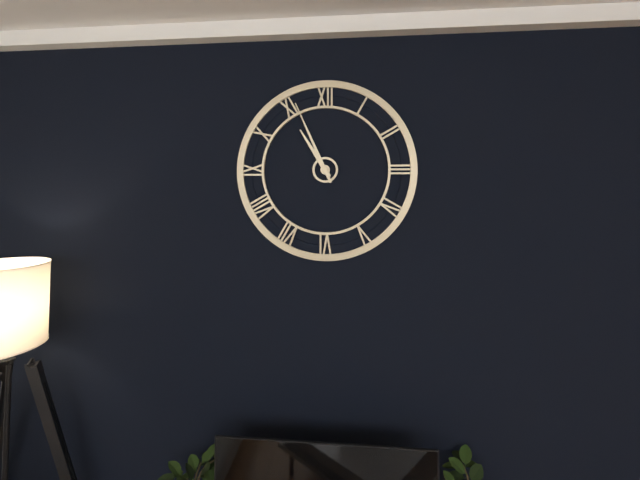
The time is 10:56
